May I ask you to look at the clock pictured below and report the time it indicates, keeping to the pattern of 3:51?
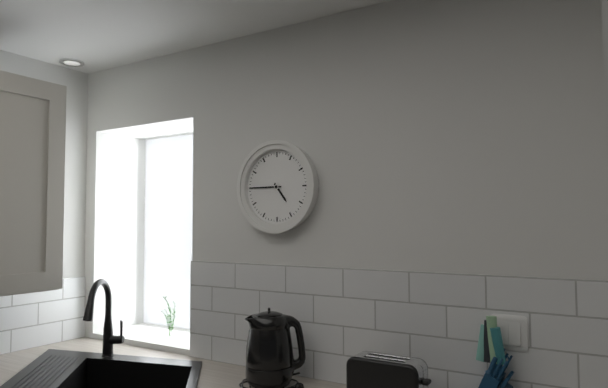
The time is 4:45
